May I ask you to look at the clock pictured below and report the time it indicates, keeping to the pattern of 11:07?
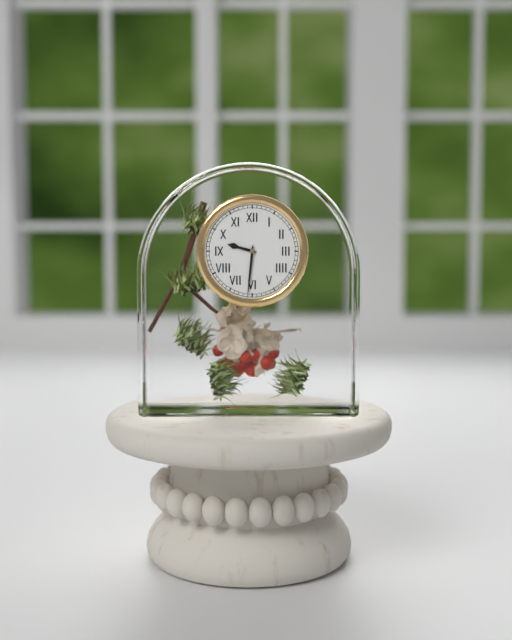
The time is 9:31
